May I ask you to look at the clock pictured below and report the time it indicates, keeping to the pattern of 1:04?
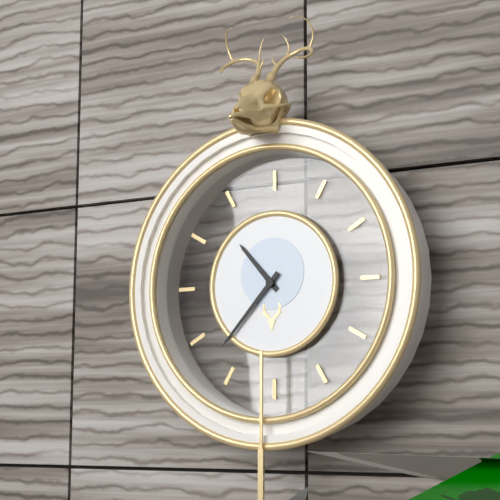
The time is 10:37
